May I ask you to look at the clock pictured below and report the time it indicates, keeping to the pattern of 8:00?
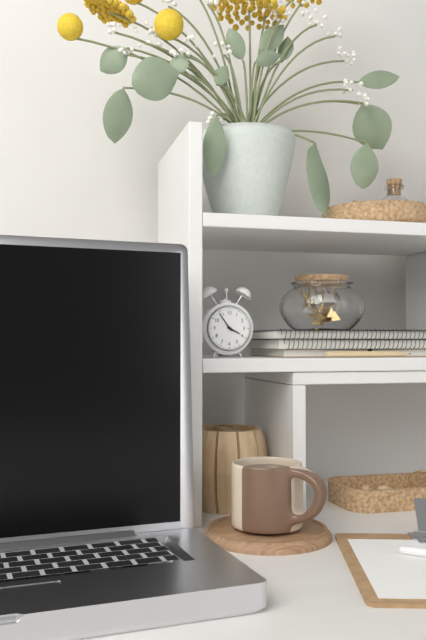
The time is 3:54
